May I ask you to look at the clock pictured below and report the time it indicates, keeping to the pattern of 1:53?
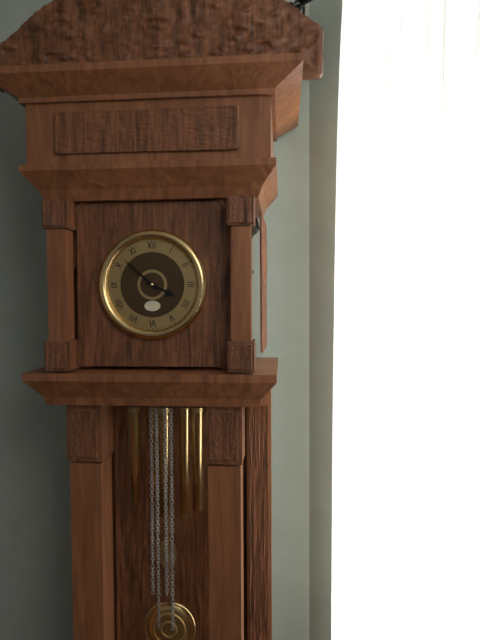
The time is 3:52
